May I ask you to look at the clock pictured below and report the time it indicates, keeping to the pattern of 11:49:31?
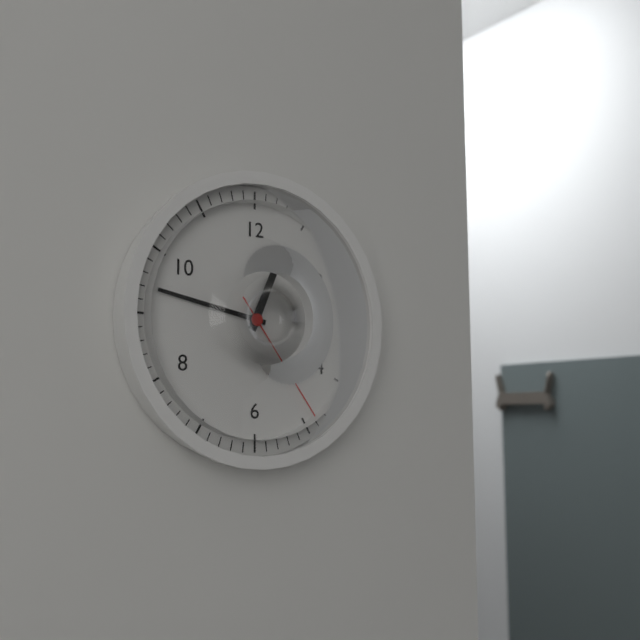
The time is 12:47:24
